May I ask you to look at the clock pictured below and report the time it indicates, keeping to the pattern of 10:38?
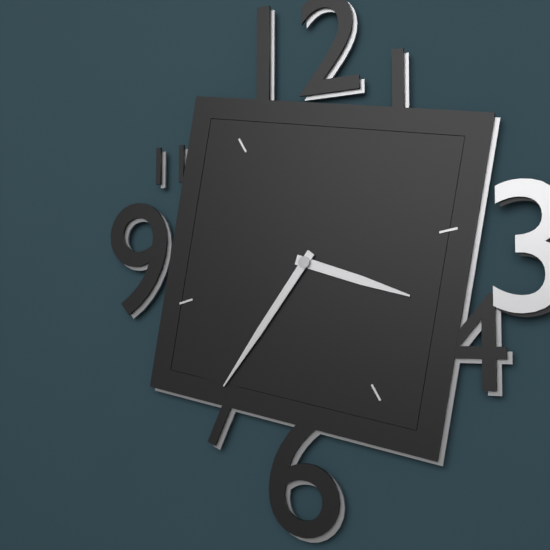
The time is 3:36
